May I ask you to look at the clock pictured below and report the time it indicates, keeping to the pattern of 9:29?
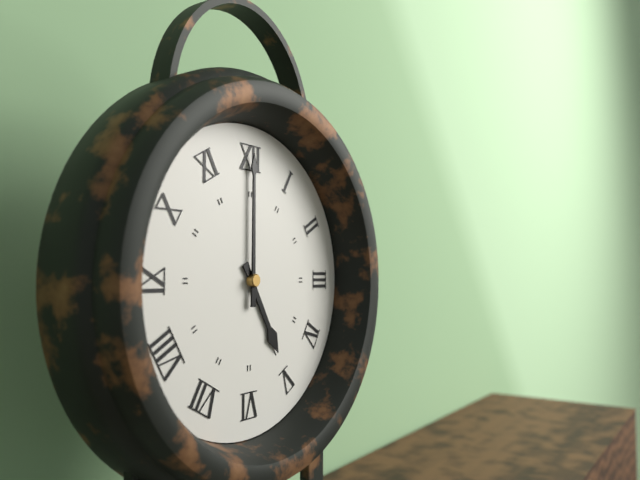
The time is 5:00
